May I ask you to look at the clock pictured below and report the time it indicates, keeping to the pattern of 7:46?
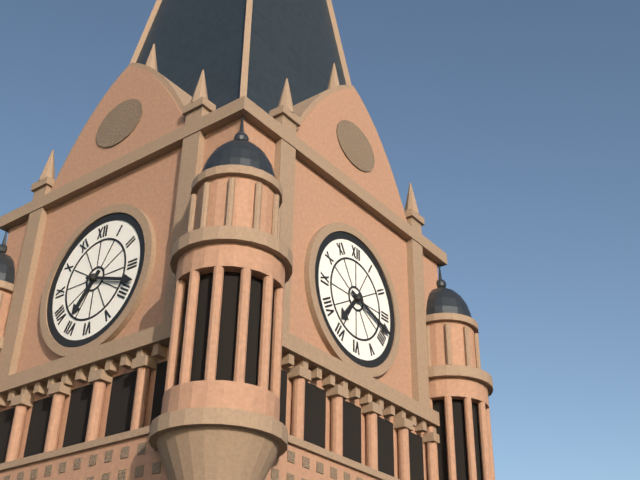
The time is 7:18
